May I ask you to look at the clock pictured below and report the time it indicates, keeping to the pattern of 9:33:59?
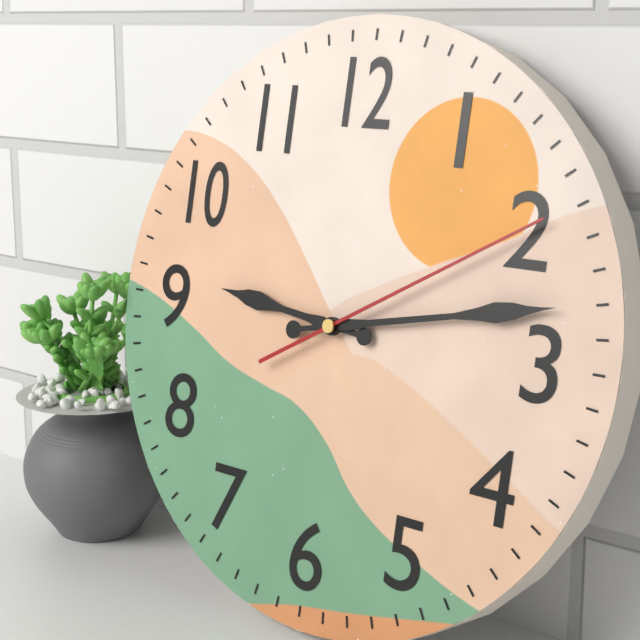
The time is 9:13:10
